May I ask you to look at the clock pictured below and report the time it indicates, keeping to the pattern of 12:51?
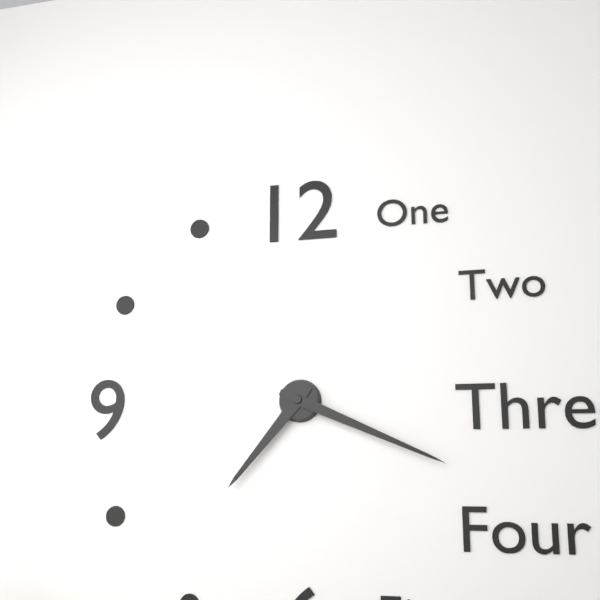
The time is 7:19
